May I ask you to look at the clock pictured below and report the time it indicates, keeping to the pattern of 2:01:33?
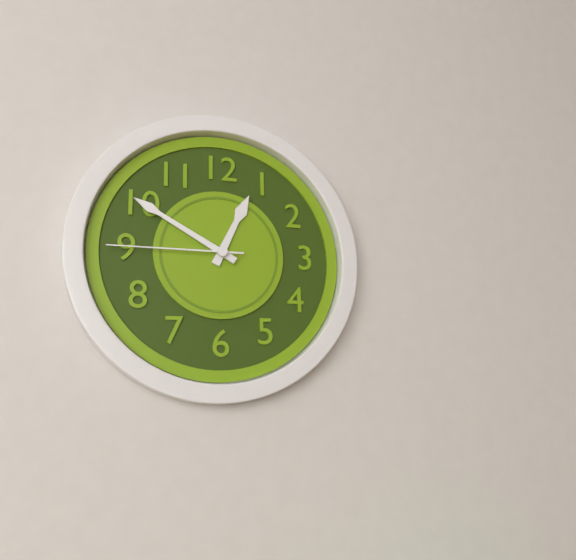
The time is 12:50:45
